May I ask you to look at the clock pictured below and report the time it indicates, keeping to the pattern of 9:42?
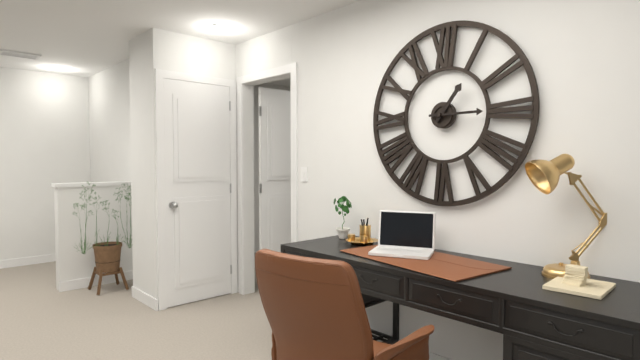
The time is 1:15
